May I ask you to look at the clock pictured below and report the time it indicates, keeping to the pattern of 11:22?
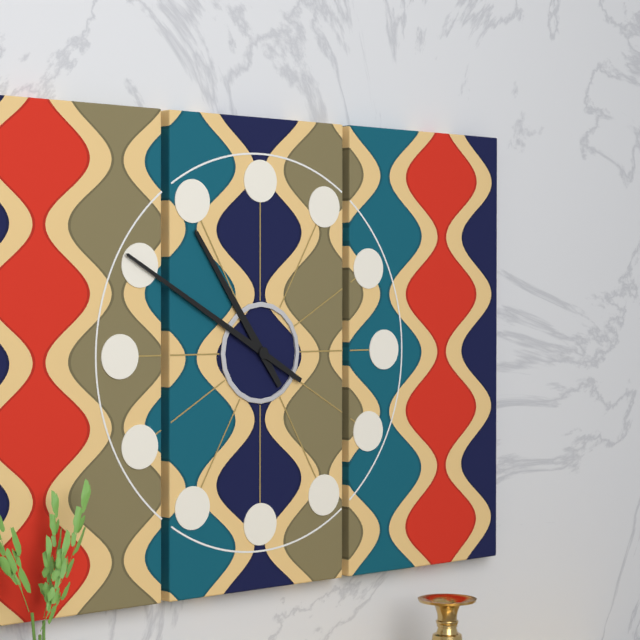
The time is 10:50
